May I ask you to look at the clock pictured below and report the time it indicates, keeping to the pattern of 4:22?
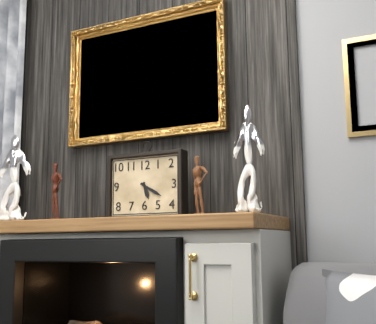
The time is 5:20
